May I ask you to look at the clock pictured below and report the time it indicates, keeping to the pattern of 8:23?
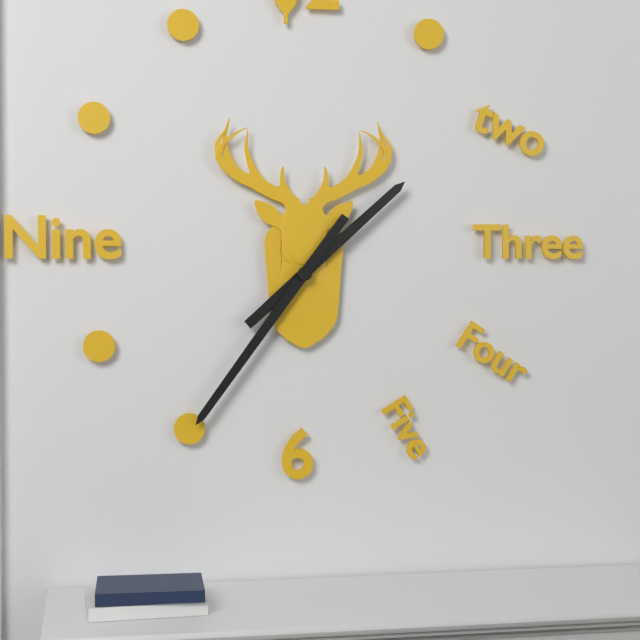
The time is 1:36
